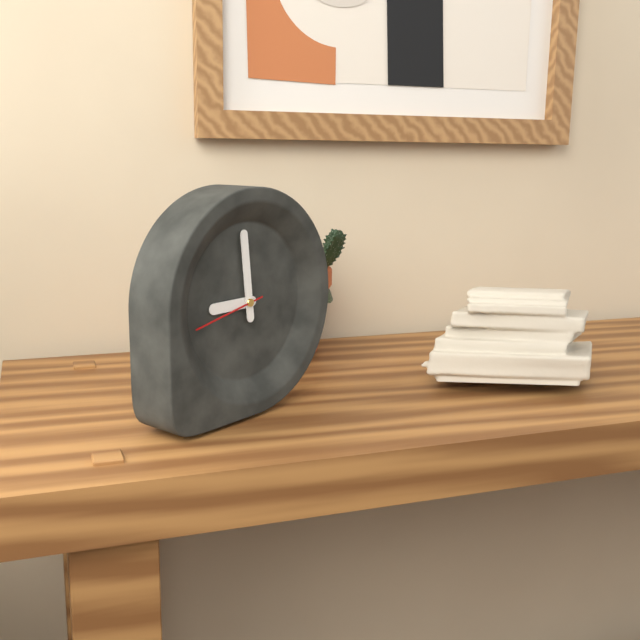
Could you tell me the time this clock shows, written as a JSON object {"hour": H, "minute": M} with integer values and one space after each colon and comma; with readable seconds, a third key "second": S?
{"hour": 8, "minute": 59, "second": 43}
